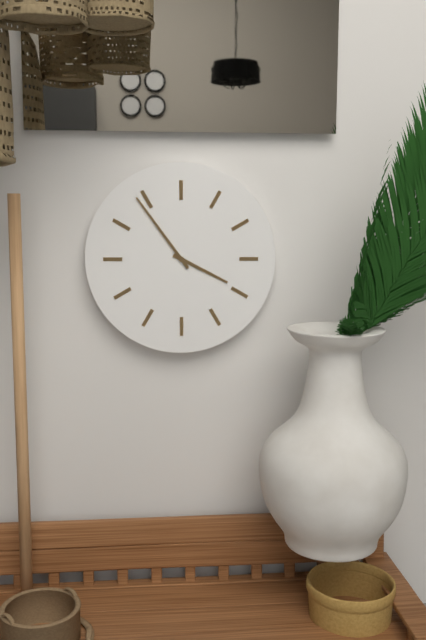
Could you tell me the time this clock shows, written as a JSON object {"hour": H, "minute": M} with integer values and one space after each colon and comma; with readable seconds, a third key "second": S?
{"hour": 3, "minute": 54}
